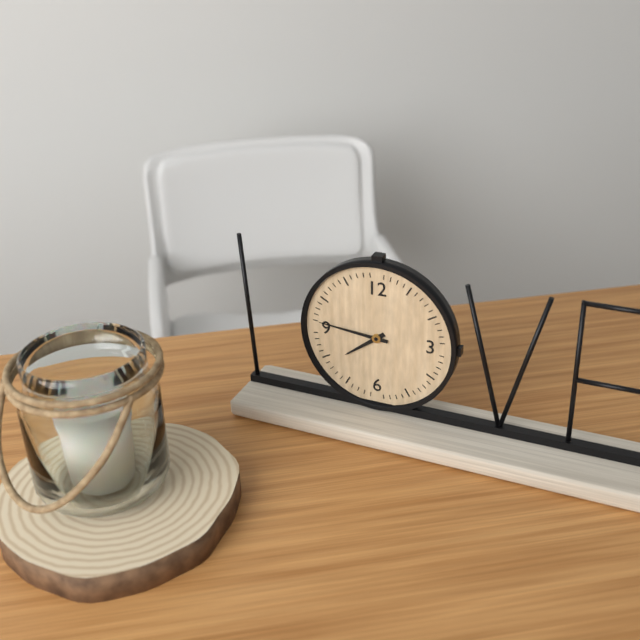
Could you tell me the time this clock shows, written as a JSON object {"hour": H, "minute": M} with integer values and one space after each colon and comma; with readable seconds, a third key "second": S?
{"hour": 7, "minute": 46}
